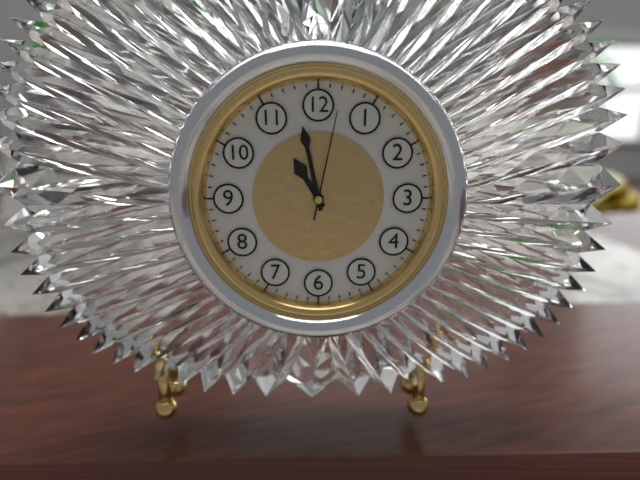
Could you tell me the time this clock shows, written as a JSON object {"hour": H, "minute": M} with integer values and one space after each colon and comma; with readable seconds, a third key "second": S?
{"hour": 10, "minute": 58, "second": 2}
